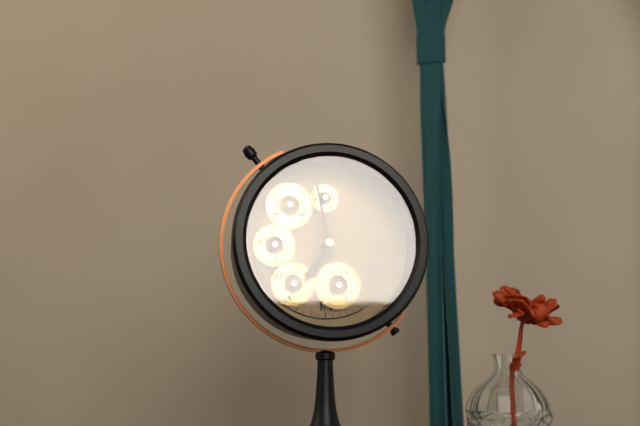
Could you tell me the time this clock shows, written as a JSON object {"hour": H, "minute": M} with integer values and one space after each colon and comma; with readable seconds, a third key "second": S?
{"hour": 6, "minute": 58}
